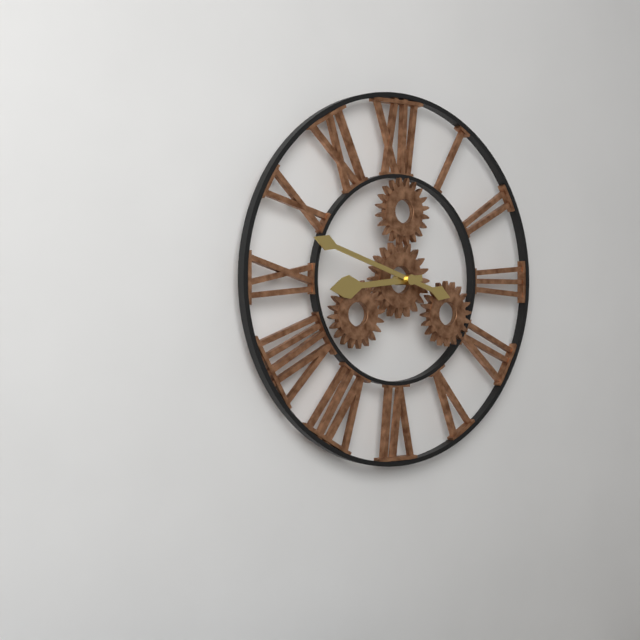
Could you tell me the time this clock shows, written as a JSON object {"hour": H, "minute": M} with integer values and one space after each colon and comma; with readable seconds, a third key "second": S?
{"hour": 8, "minute": 48}
